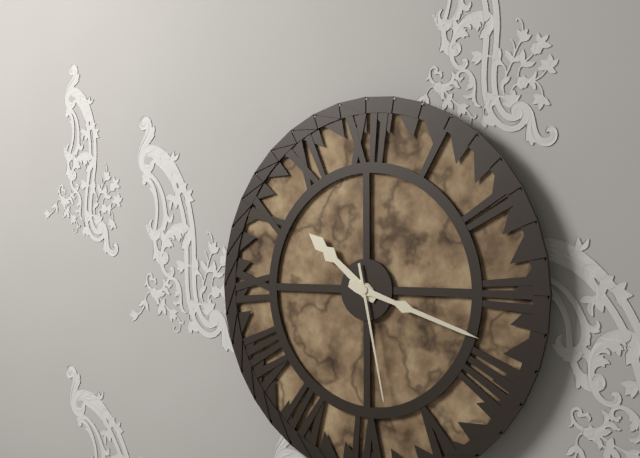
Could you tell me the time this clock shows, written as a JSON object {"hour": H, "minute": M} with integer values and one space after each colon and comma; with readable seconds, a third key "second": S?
{"hour": 10, "minute": 18, "second": 28}
